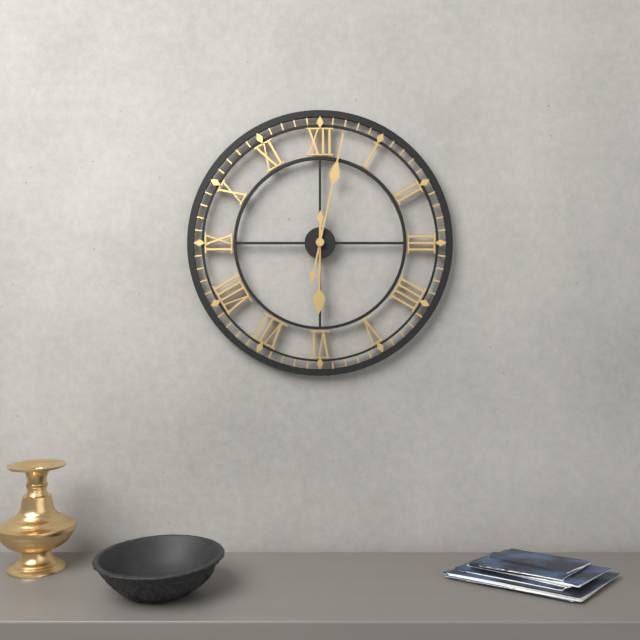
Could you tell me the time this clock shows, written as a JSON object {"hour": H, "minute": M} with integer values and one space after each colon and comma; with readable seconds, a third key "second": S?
{"hour": 6, "minute": 2}
